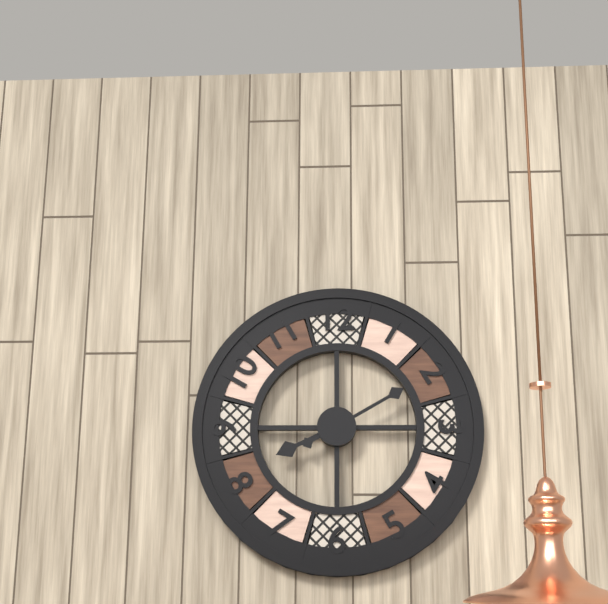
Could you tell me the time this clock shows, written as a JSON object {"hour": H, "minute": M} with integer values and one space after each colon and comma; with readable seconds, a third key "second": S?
{"hour": 8, "minute": 10}
